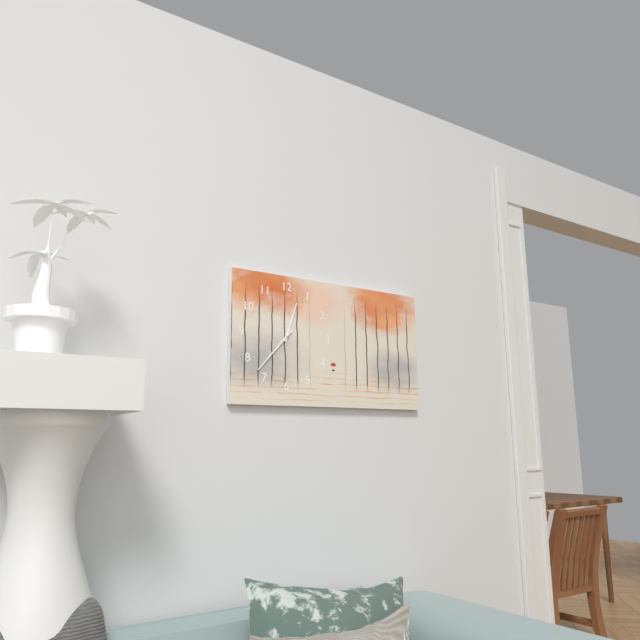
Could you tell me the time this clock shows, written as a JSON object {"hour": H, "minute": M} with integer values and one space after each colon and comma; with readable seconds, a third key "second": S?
{"hour": 12, "minute": 37}
